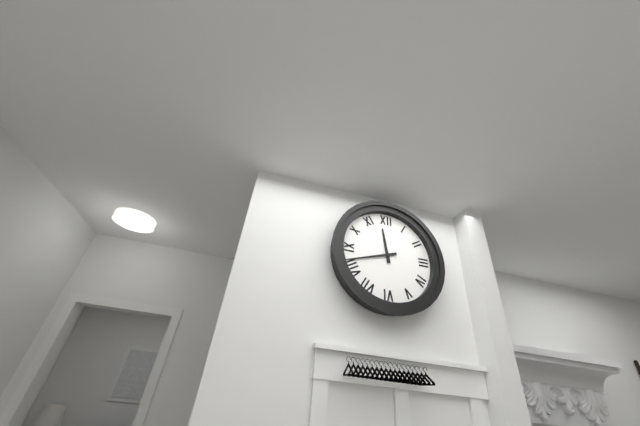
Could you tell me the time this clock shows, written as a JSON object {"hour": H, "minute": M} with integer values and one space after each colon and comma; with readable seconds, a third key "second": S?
{"hour": 11, "minute": 42}
